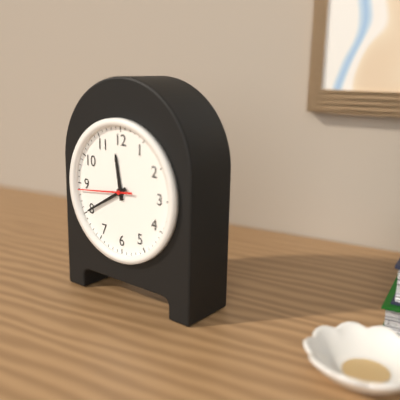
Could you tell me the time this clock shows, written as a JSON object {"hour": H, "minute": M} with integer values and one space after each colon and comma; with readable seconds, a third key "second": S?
{"hour": 11, "minute": 40, "second": 44}
